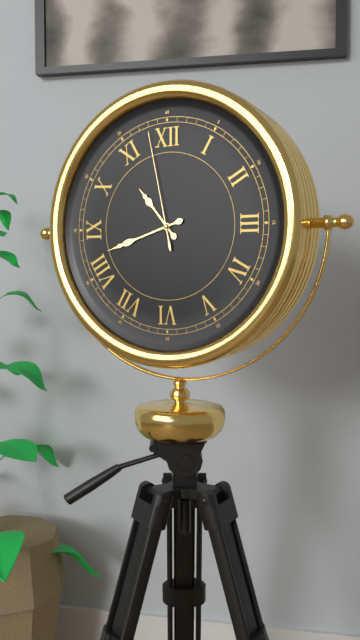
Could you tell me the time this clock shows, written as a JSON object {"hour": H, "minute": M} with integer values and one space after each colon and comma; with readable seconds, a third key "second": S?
{"hour": 10, "minute": 42, "second": 58}
